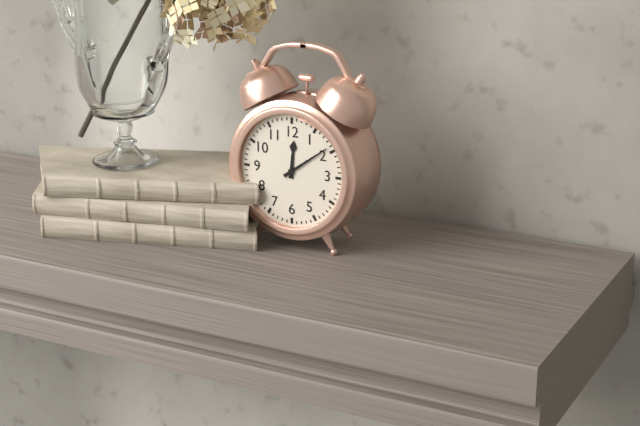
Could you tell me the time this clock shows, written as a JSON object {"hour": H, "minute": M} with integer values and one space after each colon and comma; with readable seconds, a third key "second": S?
{"hour": 12, "minute": 9}
